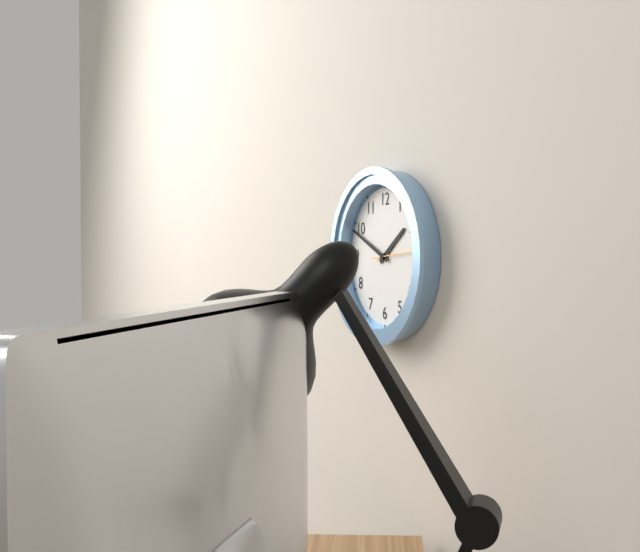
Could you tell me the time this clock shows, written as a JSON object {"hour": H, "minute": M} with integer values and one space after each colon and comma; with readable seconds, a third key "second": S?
{"hour": 1, "minute": 49, "second": 14}
